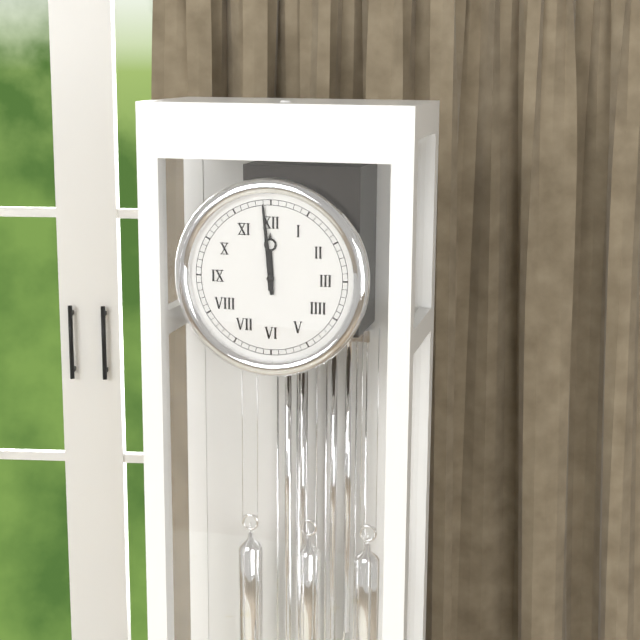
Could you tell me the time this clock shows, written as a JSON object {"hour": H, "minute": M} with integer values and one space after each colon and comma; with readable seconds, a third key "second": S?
{"hour": 11, "minute": 59}
